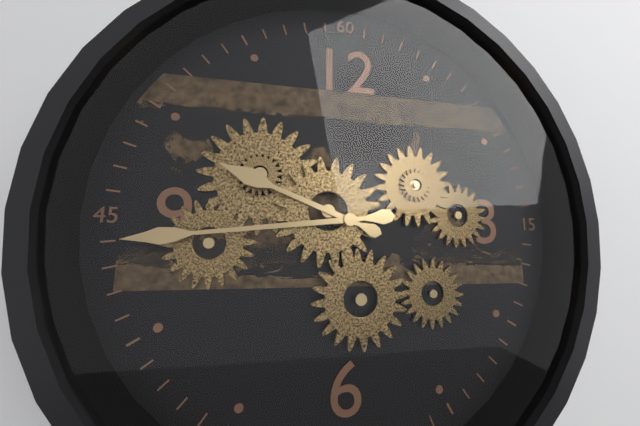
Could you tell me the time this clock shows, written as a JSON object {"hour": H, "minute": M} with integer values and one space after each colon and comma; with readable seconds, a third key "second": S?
{"hour": 9, "minute": 44}
